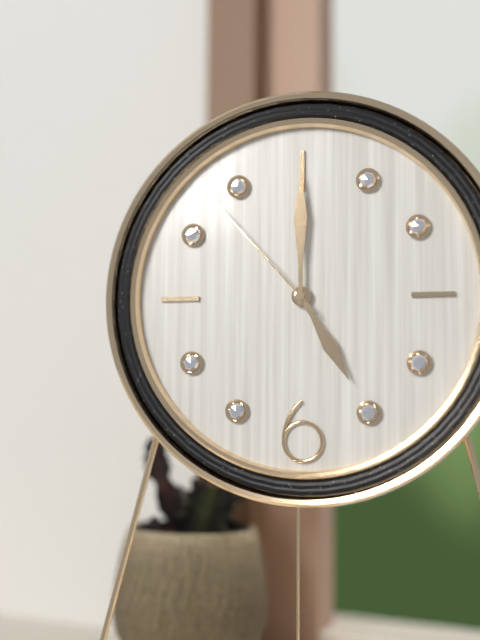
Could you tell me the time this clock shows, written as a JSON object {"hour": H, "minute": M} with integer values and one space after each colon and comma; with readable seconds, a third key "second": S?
{"hour": 5, "minute": 0, "second": 53}
